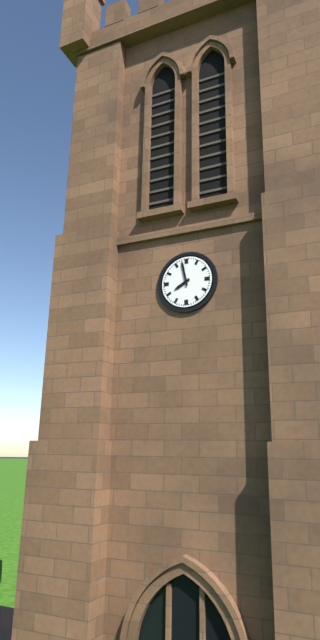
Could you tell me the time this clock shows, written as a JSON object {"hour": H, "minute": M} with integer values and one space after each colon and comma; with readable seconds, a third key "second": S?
{"hour": 7, "minute": 58}
